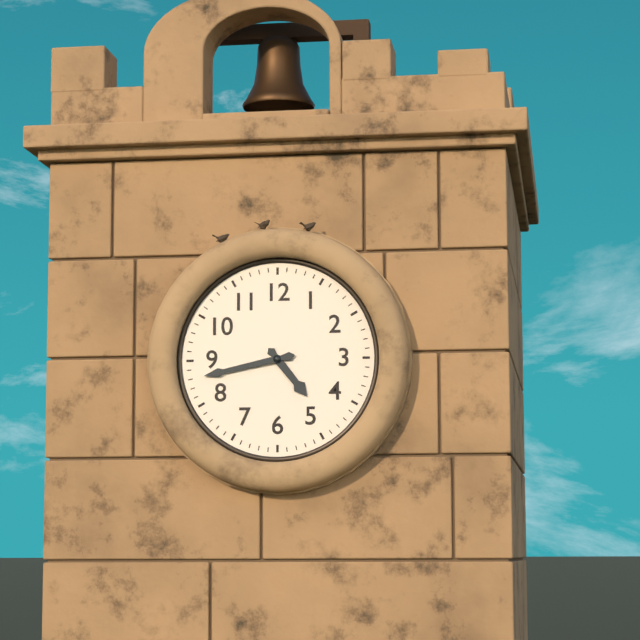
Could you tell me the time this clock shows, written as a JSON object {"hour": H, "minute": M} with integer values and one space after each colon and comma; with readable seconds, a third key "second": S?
{"hour": 4, "minute": 43}
